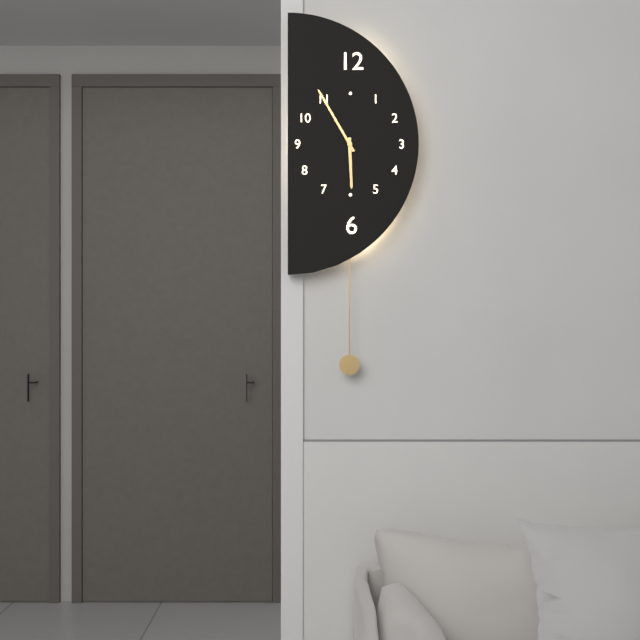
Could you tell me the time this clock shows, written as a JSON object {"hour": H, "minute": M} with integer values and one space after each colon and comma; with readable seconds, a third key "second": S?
{"hour": 5, "minute": 55}
